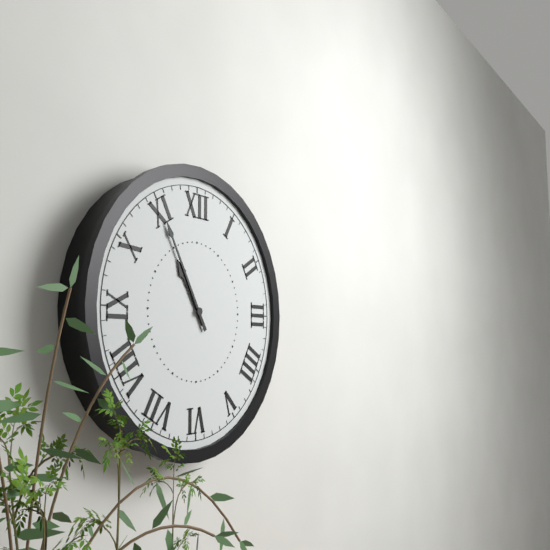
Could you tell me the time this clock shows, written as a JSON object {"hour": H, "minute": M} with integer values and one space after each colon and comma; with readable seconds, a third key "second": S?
{"hour": 10, "minute": 55}
